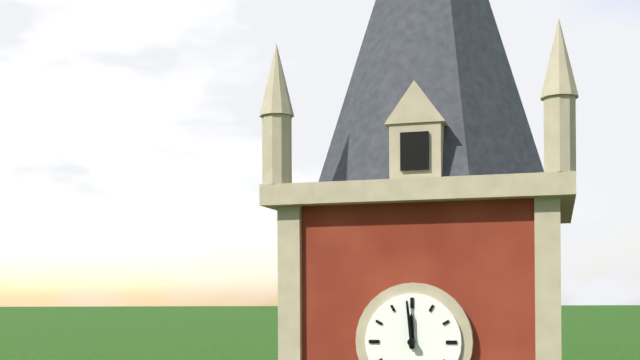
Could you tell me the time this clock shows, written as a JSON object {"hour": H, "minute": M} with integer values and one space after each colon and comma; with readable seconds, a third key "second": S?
{"hour": 11, "minute": 59}
